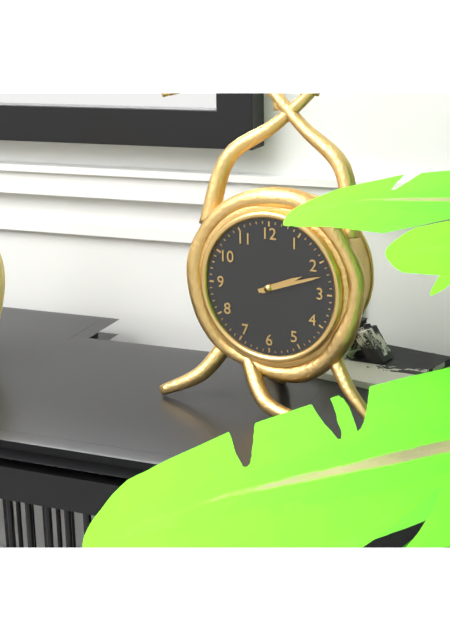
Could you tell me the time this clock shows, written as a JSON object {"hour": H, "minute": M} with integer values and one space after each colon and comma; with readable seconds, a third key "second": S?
{"hour": 2, "minute": 12}
